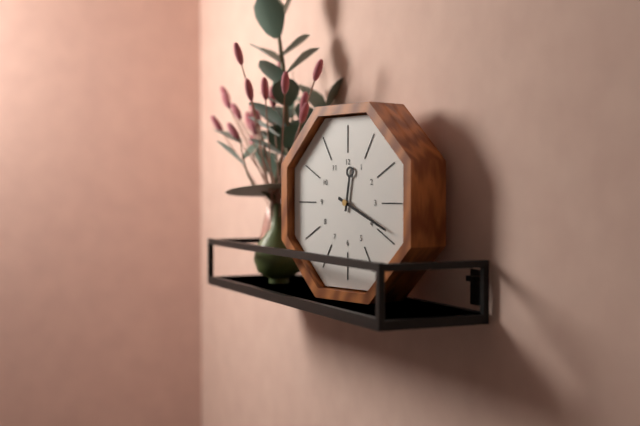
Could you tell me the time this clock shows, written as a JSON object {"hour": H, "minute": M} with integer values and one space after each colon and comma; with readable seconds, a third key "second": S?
{"hour": 12, "minute": 19}
